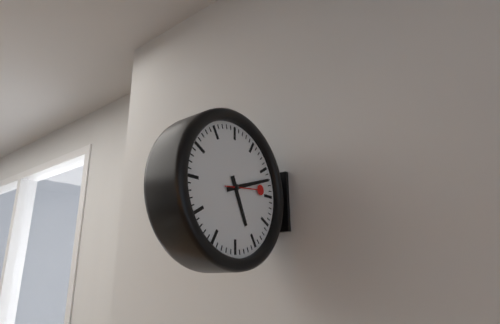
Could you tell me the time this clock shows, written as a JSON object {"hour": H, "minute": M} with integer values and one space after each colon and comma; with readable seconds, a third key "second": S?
{"hour": 5, "minute": 12, "second": 14}
